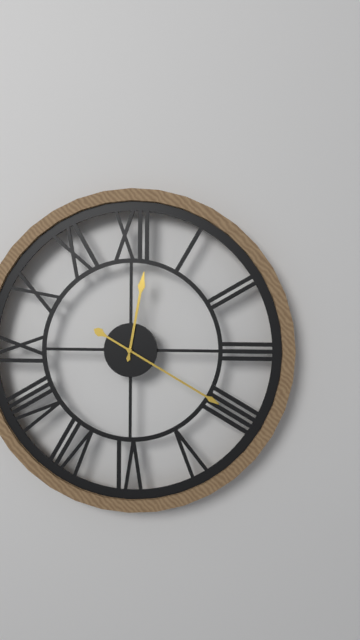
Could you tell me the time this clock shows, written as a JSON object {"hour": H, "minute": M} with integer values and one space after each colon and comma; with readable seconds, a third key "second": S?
{"hour": 12, "minute": 20}
